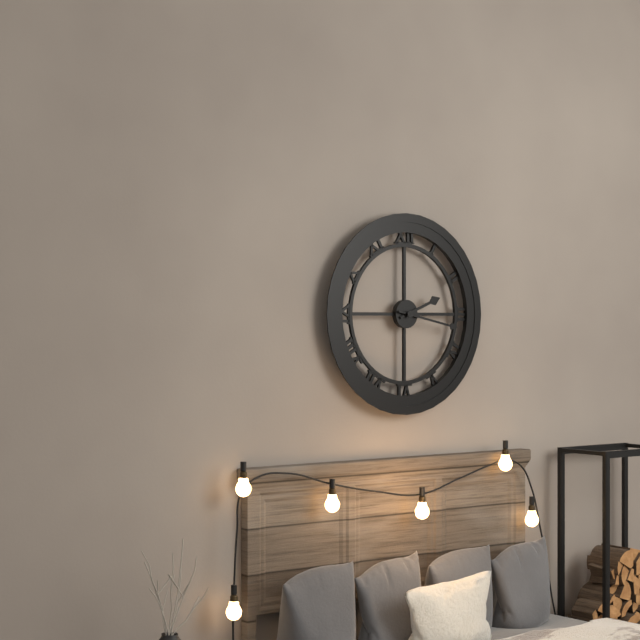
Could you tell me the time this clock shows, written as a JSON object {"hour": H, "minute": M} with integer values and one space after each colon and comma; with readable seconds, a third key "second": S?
{"hour": 2, "minute": 17}
